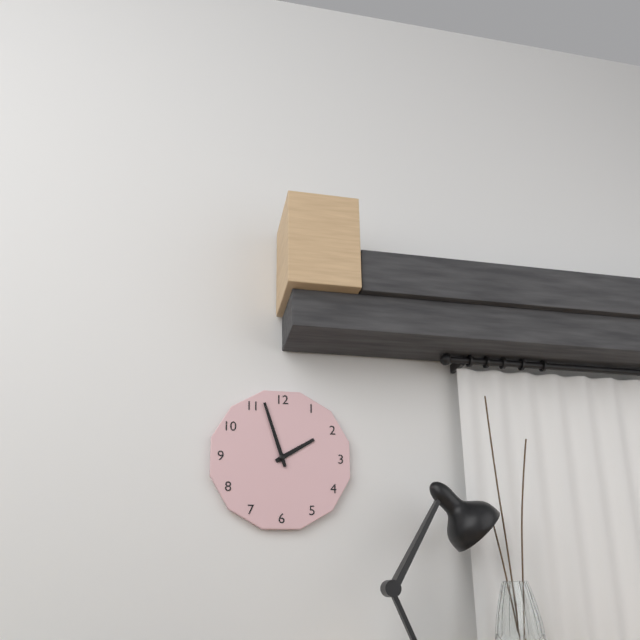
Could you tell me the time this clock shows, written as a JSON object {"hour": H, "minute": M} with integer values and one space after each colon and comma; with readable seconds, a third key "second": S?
{"hour": 1, "minute": 57}
